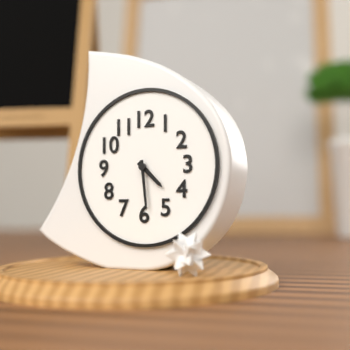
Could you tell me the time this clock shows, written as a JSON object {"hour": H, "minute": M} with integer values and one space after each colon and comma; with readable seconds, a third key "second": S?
{"hour": 4, "minute": 29}
